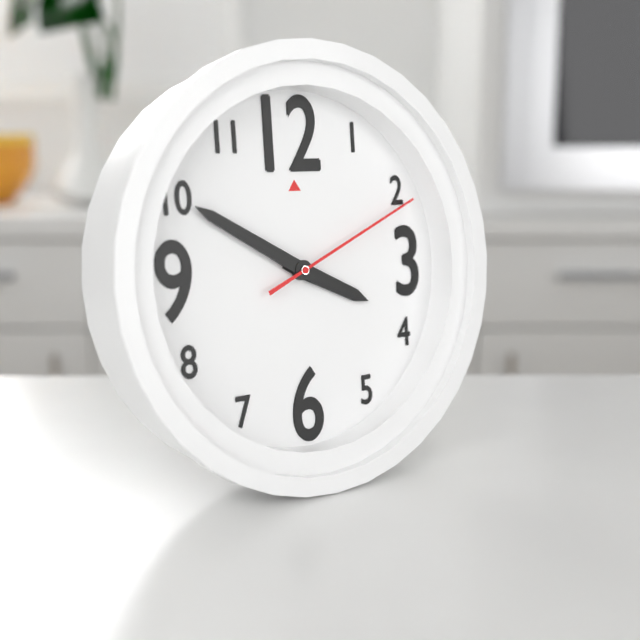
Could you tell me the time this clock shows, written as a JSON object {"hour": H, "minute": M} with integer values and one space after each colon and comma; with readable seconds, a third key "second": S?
{"hour": 3, "minute": 50, "second": 11}
